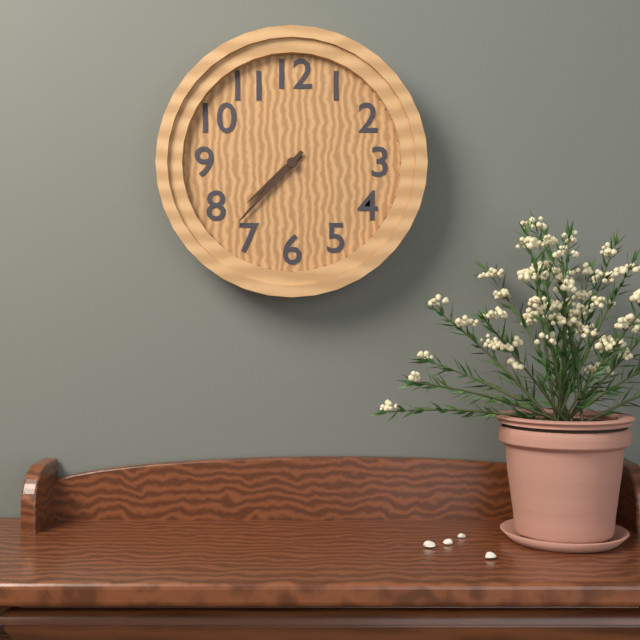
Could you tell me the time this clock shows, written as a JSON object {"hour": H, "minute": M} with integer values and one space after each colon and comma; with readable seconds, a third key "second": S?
{"hour": 7, "minute": 37}
